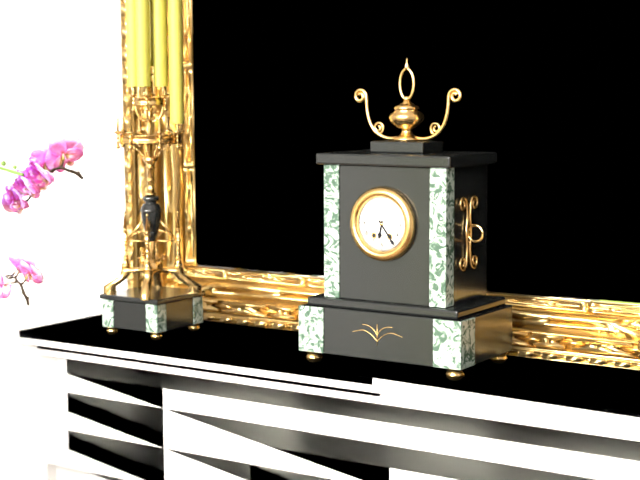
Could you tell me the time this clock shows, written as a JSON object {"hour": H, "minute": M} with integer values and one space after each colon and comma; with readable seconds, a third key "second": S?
{"hour": 6, "minute": 24}
